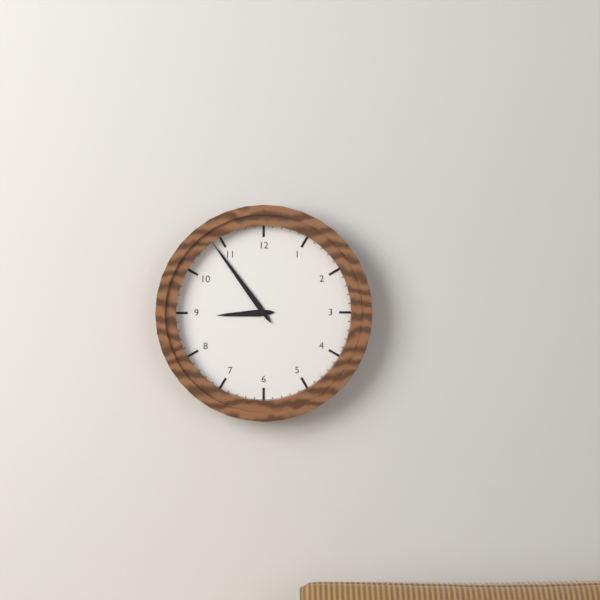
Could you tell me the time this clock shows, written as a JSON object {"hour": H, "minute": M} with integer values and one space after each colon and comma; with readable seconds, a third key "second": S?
{"hour": 8, "minute": 54}
